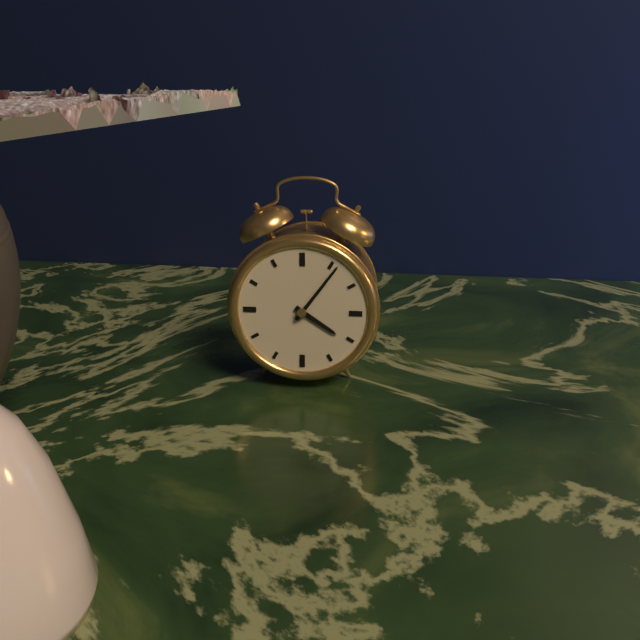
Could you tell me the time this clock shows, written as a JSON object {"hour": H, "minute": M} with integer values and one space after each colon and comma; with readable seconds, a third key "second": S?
{"hour": 4, "minute": 6}
